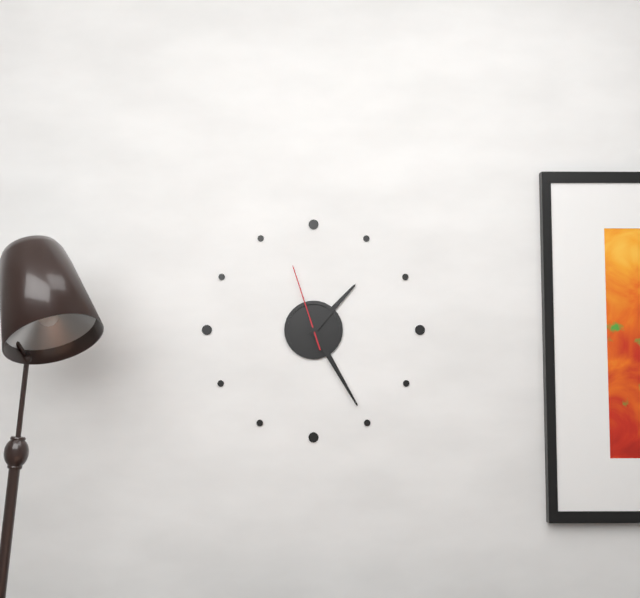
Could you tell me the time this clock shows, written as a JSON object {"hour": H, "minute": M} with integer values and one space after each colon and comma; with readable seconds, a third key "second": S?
{"hour": 1, "minute": 25, "second": 57}
